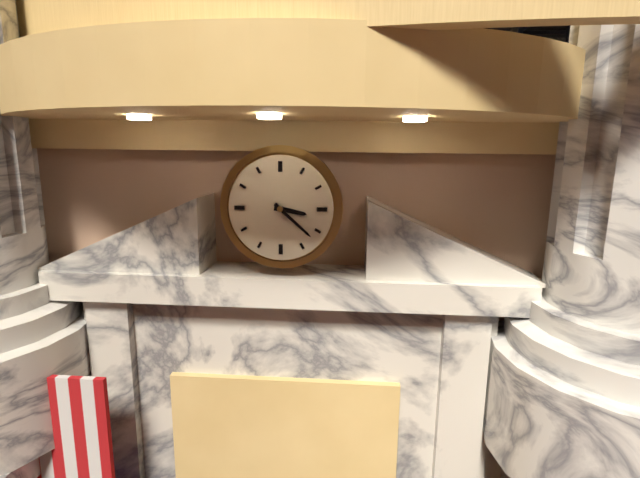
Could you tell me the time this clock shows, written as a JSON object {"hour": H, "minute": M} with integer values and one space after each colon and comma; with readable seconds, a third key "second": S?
{"hour": 3, "minute": 22}
